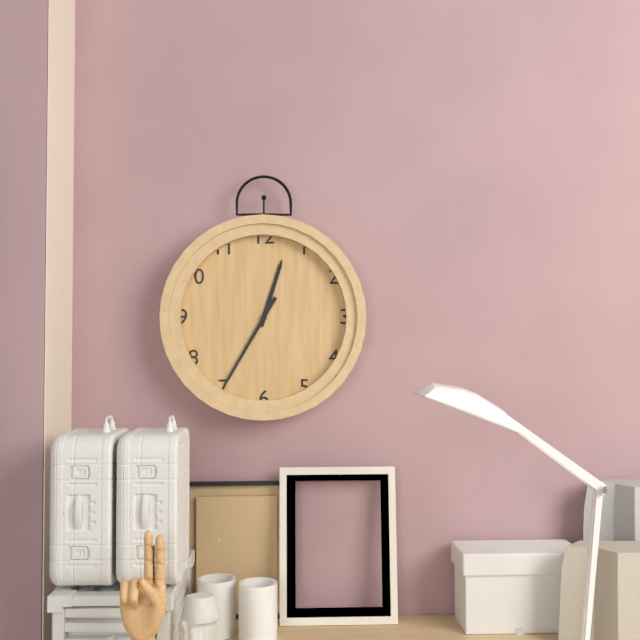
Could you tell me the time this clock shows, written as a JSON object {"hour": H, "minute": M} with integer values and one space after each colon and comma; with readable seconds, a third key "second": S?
{"hour": 12, "minute": 35}
